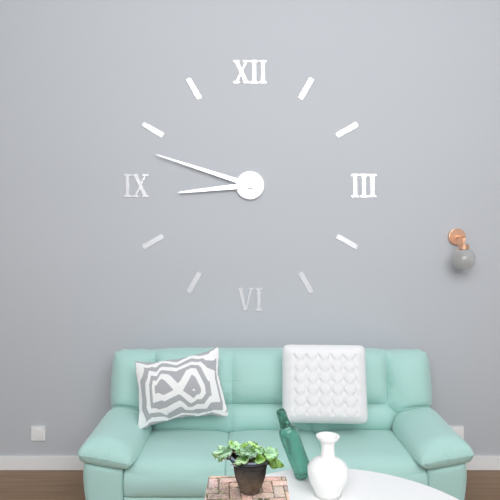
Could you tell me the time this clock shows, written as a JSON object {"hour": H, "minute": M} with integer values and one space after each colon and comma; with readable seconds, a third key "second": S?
{"hour": 8, "minute": 48}
